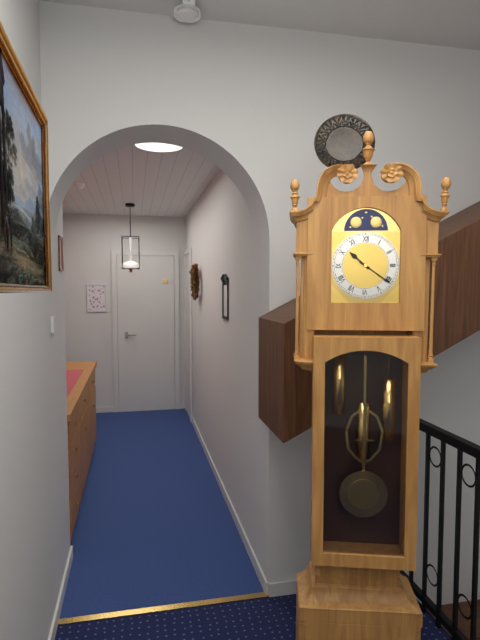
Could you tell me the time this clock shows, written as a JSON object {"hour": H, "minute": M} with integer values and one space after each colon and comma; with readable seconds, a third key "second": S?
{"hour": 10, "minute": 21}
